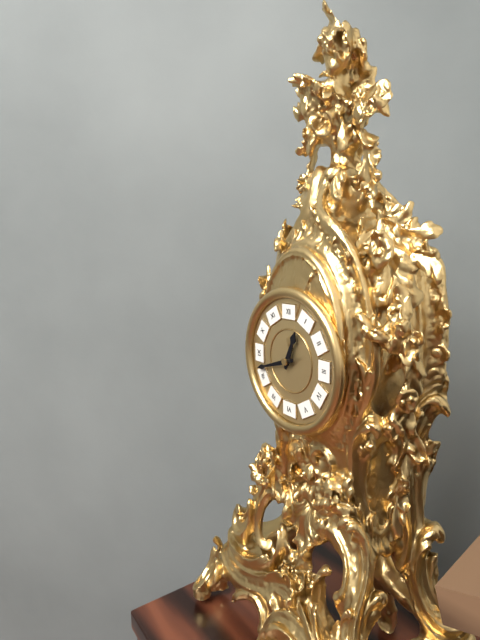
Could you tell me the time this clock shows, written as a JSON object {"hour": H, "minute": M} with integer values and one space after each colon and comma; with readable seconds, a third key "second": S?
{"hour": 12, "minute": 42}
